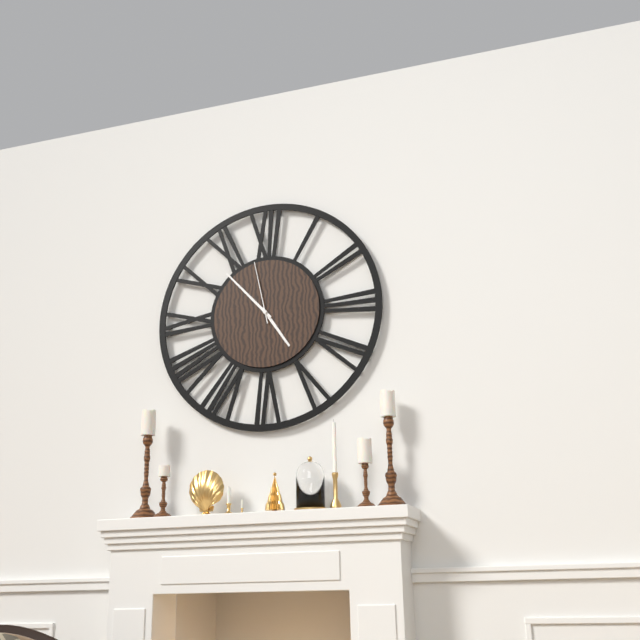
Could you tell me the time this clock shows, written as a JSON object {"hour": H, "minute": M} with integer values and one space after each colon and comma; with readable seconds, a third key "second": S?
{"hour": 4, "minute": 53, "second": 58}
